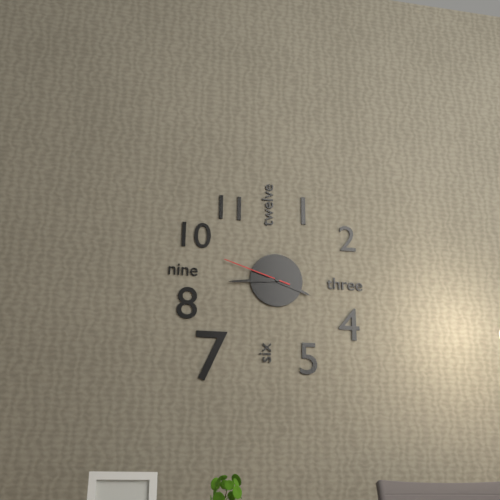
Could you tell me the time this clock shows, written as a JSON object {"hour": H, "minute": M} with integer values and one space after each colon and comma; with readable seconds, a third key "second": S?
{"hour": 3, "minute": 44, "second": 48}
